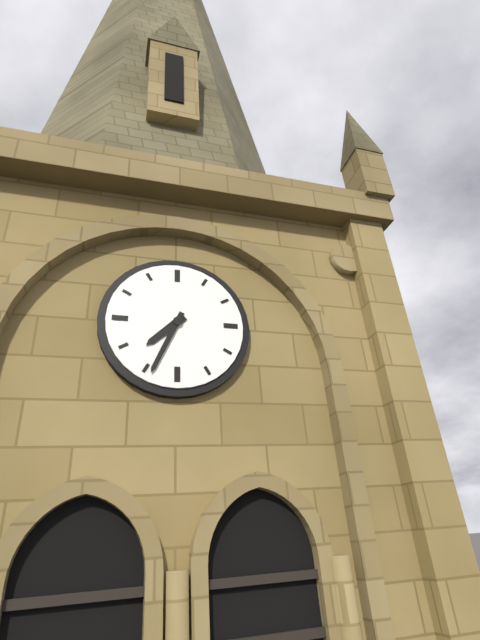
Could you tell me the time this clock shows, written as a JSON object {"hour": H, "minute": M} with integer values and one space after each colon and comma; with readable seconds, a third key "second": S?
{"hour": 7, "minute": 34}
